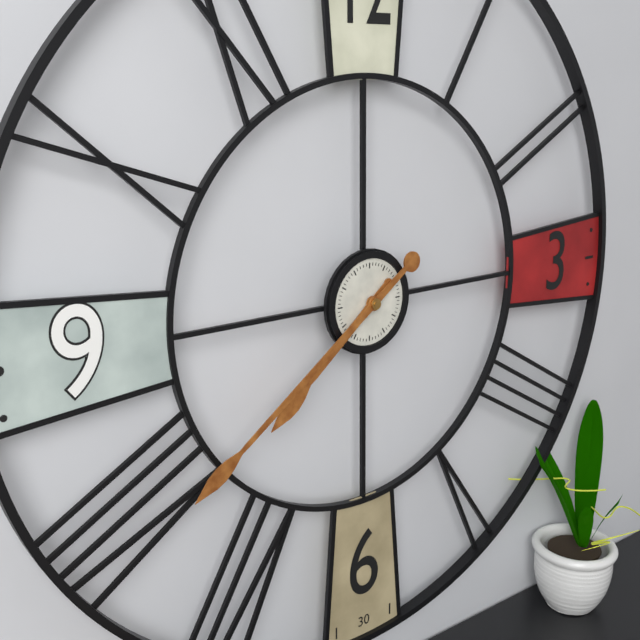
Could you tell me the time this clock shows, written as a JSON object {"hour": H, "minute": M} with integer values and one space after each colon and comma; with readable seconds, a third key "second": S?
{"hour": 7, "minute": 39}
